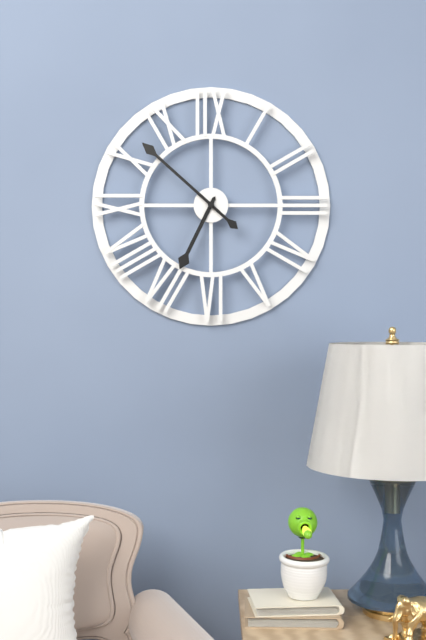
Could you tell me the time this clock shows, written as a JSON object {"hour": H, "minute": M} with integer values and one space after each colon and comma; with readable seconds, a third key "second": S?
{"hour": 6, "minute": 52}
